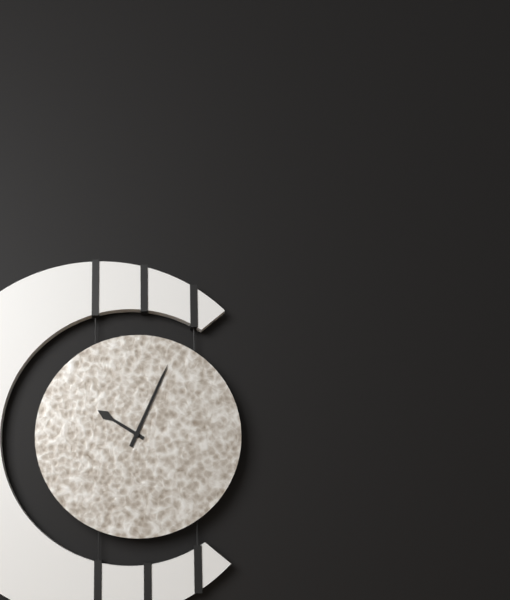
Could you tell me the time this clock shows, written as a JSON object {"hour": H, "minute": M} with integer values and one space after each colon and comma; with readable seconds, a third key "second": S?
{"hour": 10, "minute": 4}
